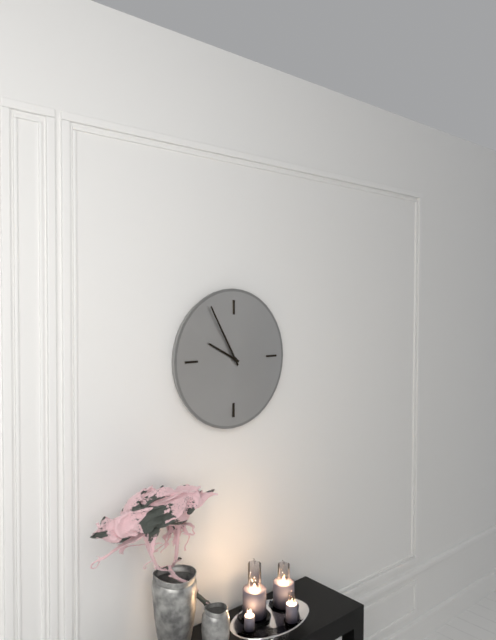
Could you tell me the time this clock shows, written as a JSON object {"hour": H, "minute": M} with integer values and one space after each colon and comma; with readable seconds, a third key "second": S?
{"hour": 9, "minute": 55}
